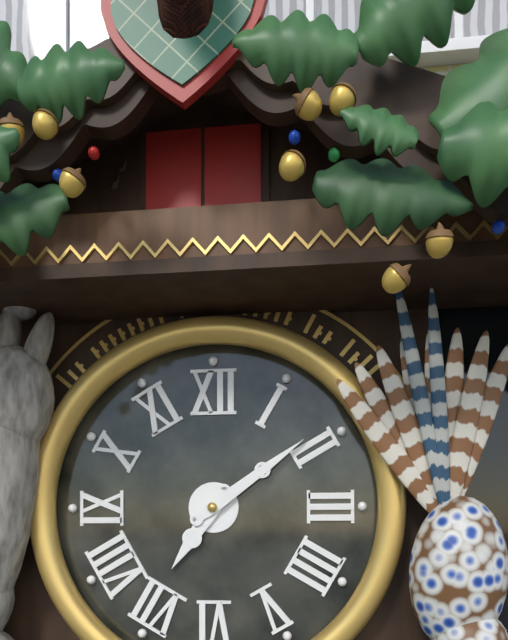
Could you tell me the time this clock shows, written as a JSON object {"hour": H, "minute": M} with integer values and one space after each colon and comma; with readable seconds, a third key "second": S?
{"hour": 7, "minute": 9}
